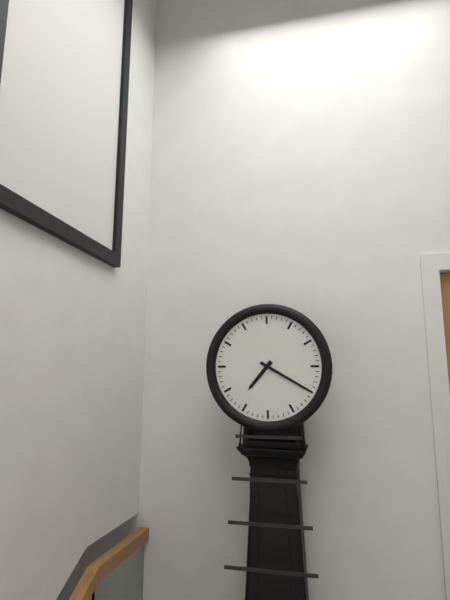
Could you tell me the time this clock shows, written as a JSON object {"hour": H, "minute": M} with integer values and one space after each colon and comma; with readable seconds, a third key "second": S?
{"hour": 7, "minute": 20}
